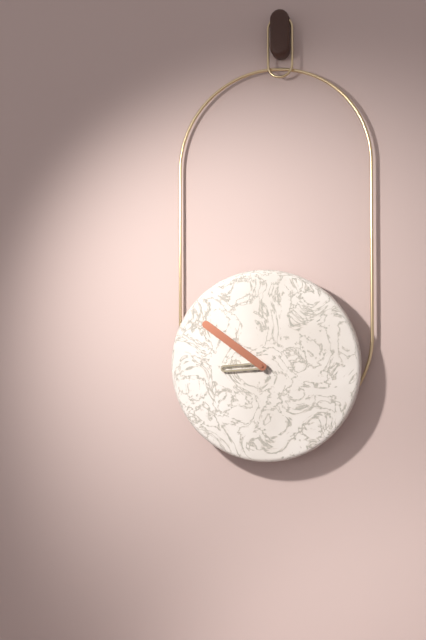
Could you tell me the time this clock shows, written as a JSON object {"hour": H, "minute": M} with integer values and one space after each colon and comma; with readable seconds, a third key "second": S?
{"hour": 8, "minute": 51}
